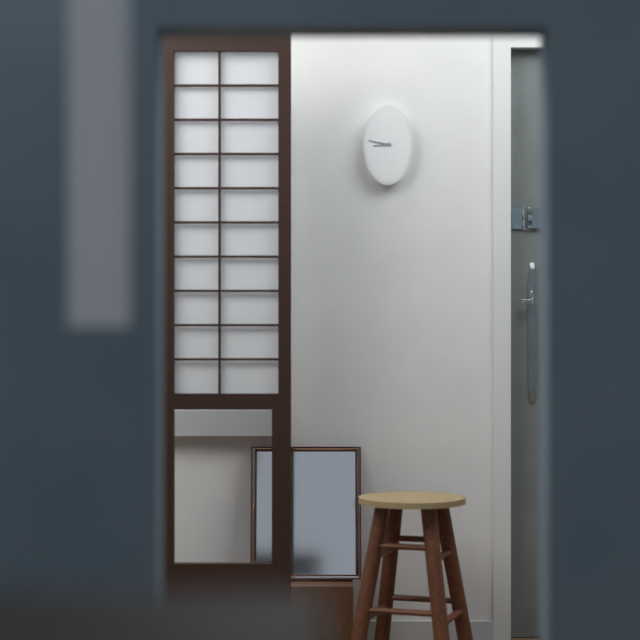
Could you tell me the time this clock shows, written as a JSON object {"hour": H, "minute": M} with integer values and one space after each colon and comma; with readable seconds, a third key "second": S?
{"hour": 8, "minute": 47}
